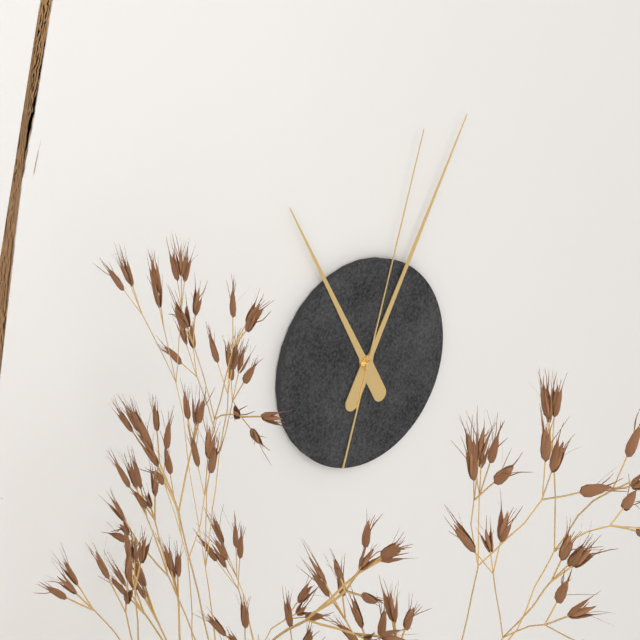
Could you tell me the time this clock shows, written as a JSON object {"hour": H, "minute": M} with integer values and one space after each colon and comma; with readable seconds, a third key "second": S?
{"hour": 11, "minute": 5, "second": 3}
